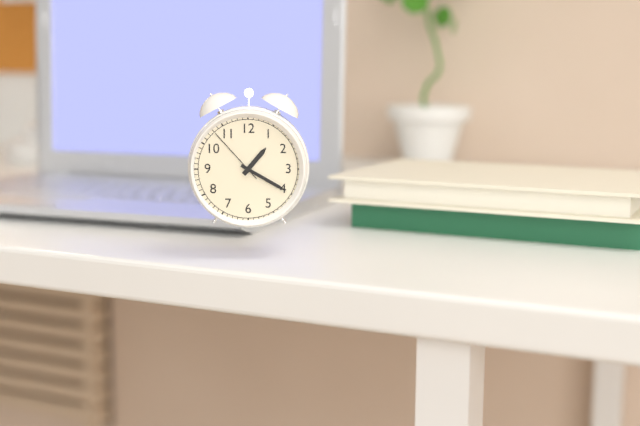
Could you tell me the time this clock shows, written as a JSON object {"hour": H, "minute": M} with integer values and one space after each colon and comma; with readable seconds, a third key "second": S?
{"hour": 1, "minute": 20, "second": 53}
